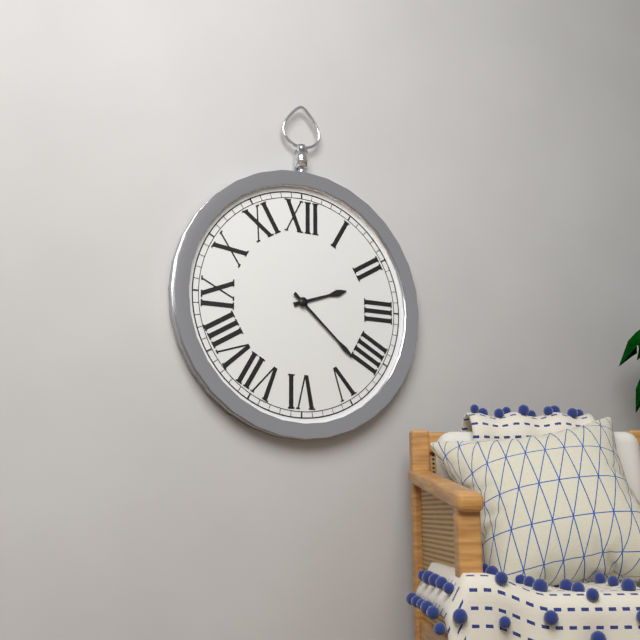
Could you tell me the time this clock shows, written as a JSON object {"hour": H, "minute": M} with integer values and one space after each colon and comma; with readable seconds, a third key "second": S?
{"hour": 2, "minute": 22}
